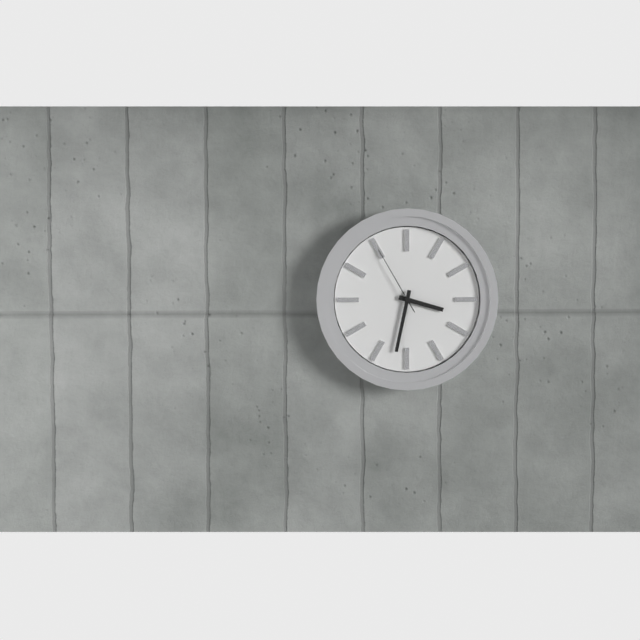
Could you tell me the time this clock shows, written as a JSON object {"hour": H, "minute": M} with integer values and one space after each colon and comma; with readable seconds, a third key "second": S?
{"hour": 3, "minute": 32, "second": 55}
